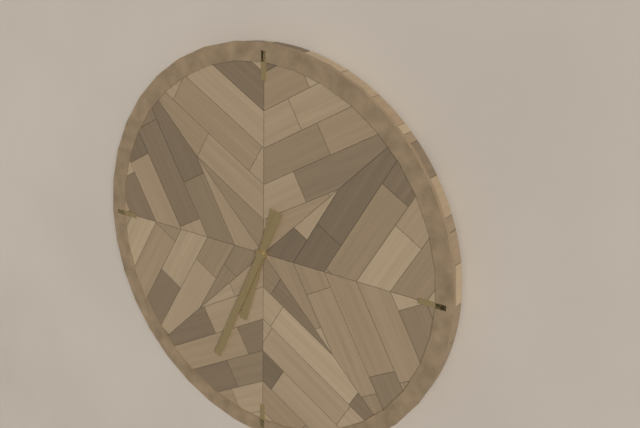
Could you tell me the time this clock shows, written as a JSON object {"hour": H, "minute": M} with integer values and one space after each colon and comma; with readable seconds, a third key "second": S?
{"hour": 6, "minute": 34}
